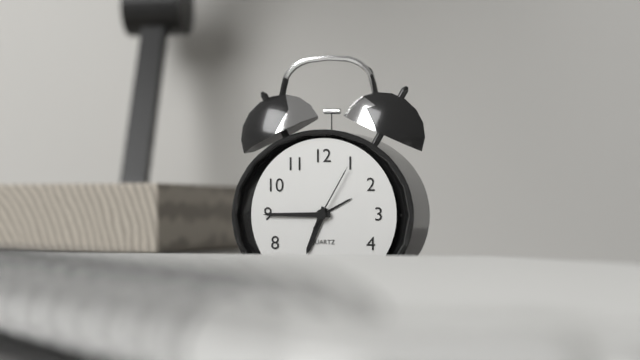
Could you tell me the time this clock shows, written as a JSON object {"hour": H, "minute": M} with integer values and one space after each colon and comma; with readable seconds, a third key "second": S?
{"hour": 6, "minute": 45, "second": 5}
